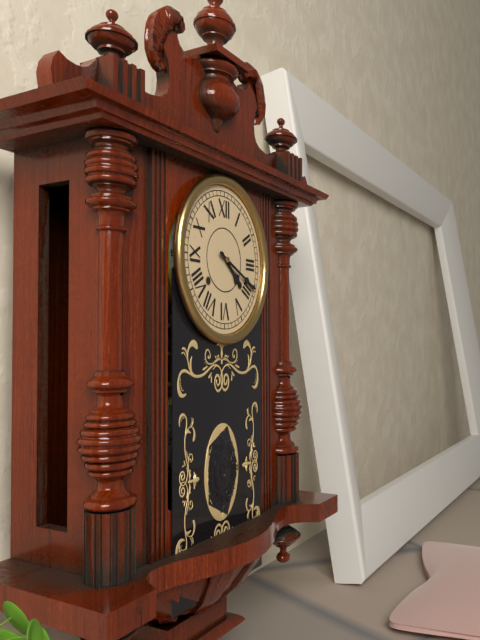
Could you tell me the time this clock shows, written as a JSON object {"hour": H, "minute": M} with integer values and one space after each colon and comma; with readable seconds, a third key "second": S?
{"hour": 4, "minute": 19}
